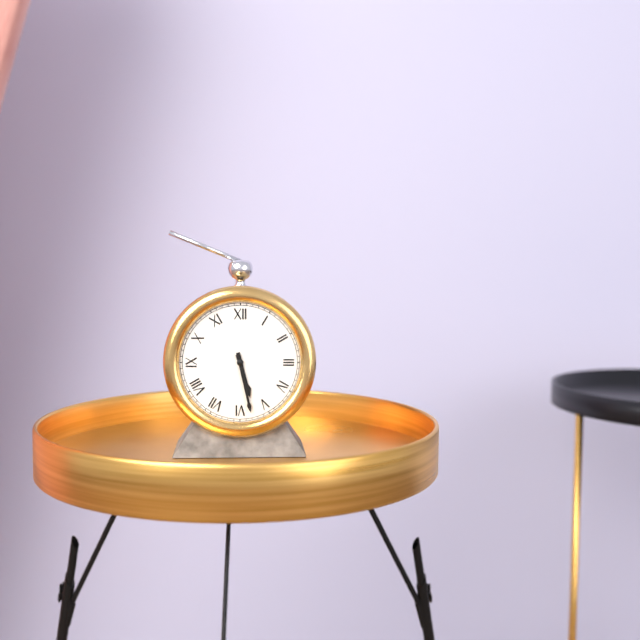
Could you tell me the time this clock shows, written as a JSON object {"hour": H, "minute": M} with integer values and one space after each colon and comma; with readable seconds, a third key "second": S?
{"hour": 5, "minute": 28}
